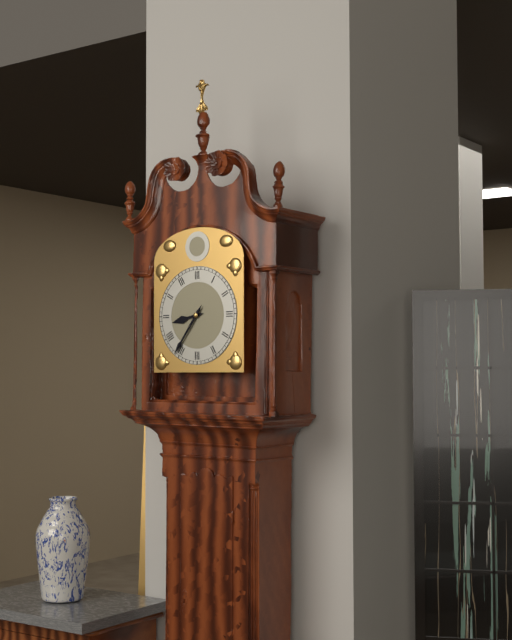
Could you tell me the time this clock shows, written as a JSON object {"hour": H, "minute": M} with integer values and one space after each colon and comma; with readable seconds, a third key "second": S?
{"hour": 8, "minute": 36}
